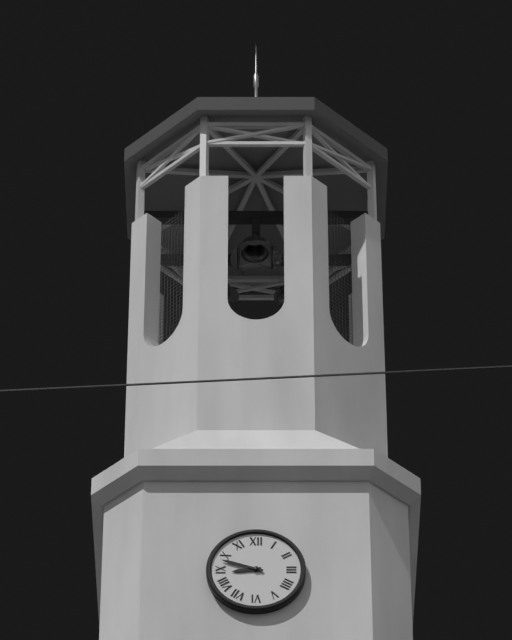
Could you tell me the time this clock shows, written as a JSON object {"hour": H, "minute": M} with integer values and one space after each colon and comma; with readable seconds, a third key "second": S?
{"hour": 8, "minute": 48}
